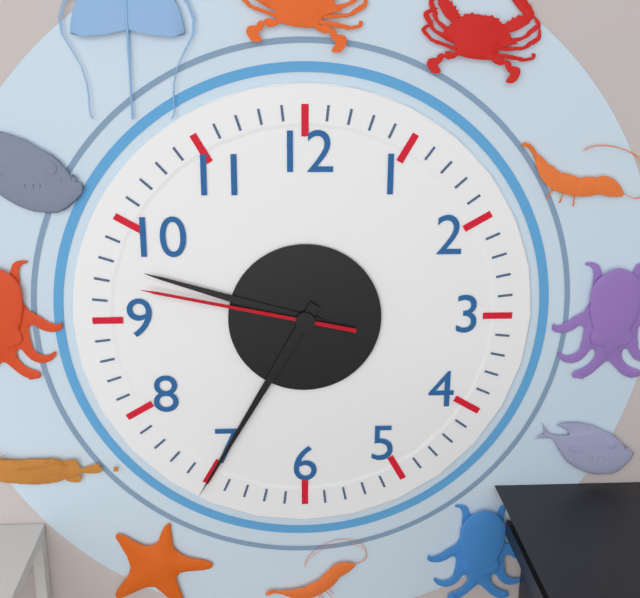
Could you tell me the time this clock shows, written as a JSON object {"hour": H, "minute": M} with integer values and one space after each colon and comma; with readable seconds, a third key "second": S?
{"hour": 9, "minute": 35, "second": 47}
